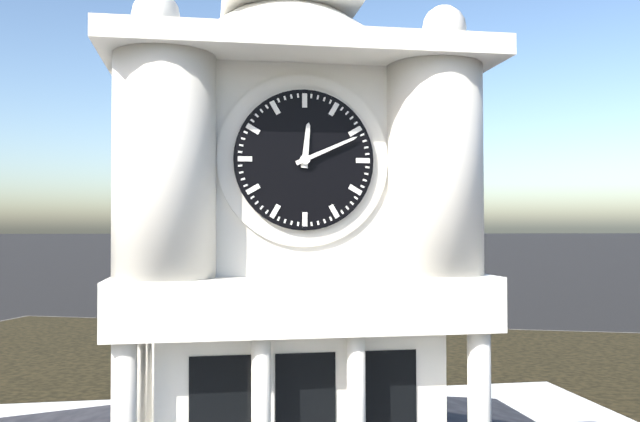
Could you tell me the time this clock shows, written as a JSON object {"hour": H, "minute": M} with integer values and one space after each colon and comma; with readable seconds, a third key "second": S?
{"hour": 12, "minute": 11}
